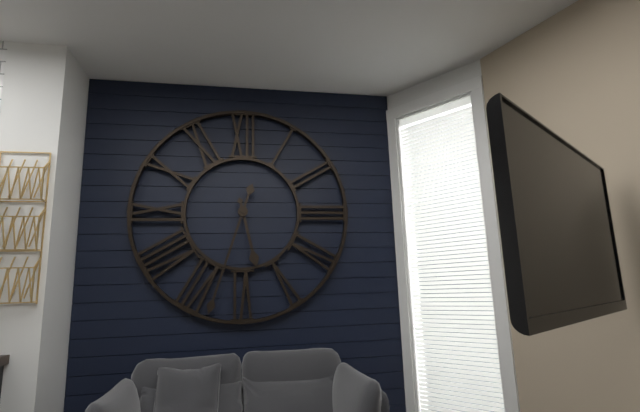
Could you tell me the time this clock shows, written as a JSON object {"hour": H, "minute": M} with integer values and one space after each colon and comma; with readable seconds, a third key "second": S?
{"hour": 5, "minute": 33}
